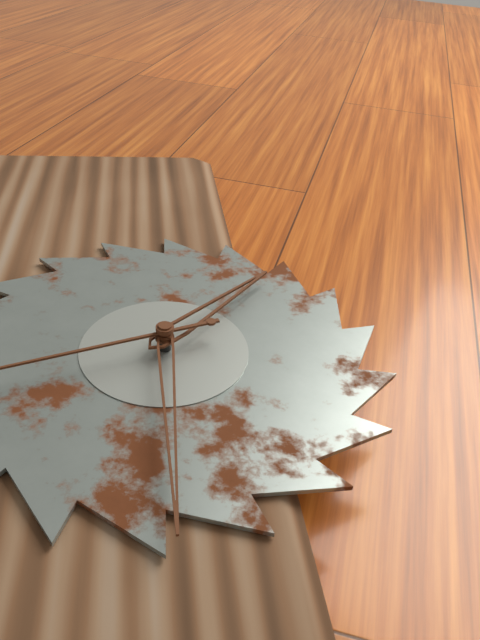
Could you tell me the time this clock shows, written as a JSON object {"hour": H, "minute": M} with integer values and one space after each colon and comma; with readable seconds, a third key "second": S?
{"hour": 1, "minute": 30}
